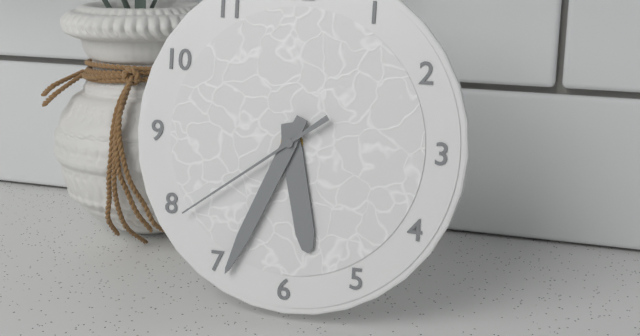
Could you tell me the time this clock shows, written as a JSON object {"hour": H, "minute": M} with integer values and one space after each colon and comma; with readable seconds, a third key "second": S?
{"hour": 5, "minute": 34, "second": 39}
